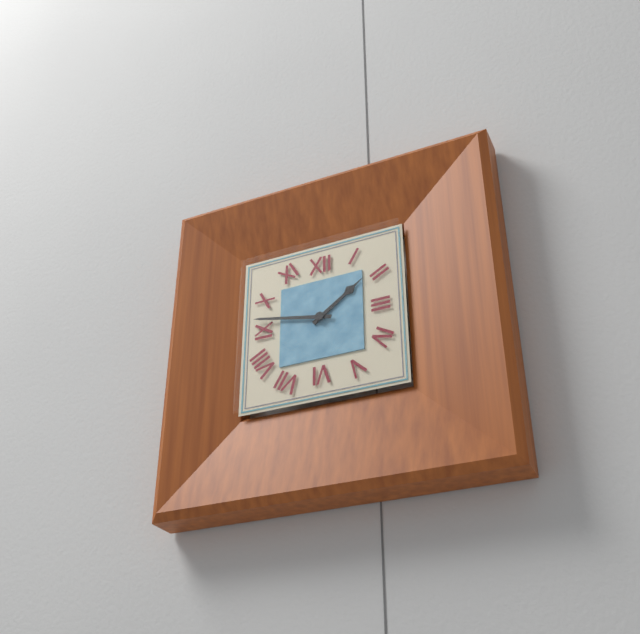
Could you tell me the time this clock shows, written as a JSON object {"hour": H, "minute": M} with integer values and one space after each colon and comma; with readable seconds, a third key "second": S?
{"hour": 1, "minute": 47}
